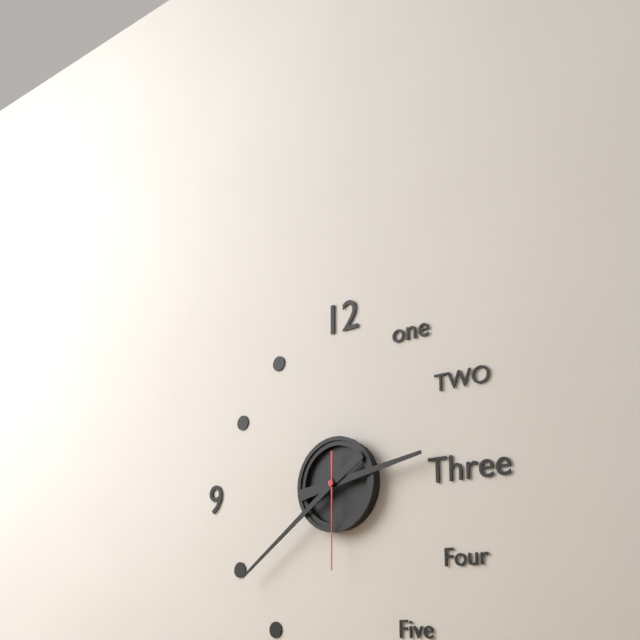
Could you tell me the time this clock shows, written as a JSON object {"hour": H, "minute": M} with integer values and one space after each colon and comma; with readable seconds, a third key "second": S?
{"hour": 2, "minute": 39, "second": 30}
